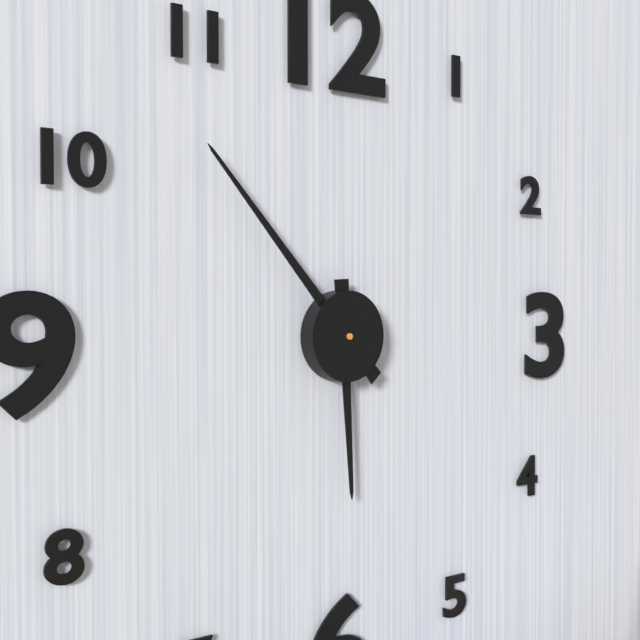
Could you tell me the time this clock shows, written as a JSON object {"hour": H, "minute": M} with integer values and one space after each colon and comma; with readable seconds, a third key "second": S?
{"hour": 5, "minute": 53}
